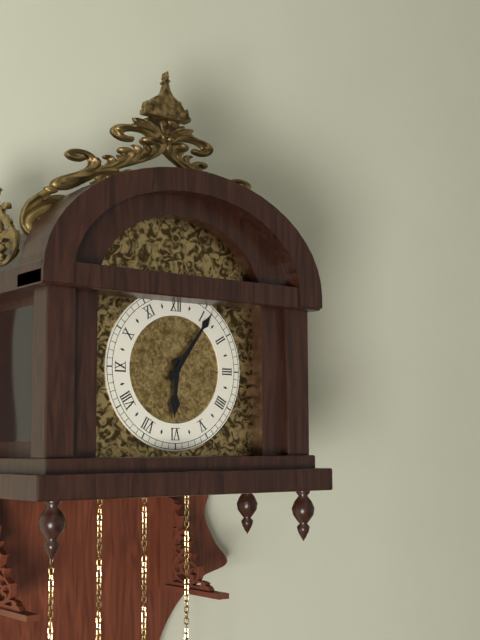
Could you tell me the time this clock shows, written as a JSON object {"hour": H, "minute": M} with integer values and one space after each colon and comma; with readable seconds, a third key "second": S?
{"hour": 6, "minute": 6}
